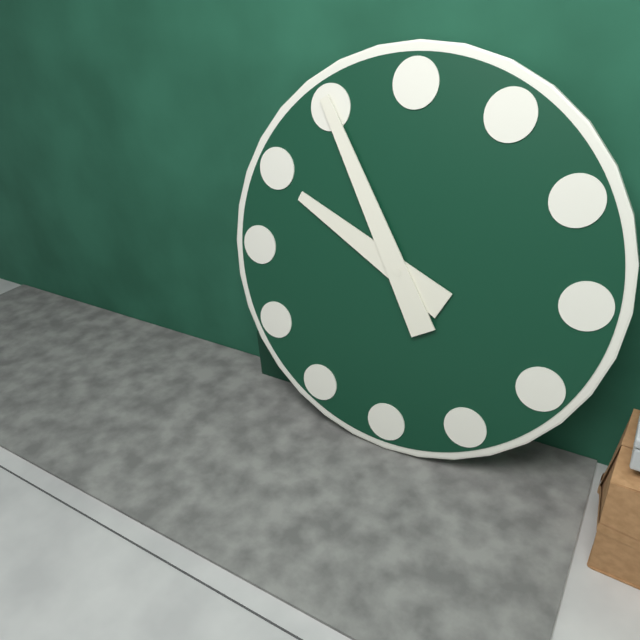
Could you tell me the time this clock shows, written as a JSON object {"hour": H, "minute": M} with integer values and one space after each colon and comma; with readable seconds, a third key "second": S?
{"hour": 9, "minute": 55}
